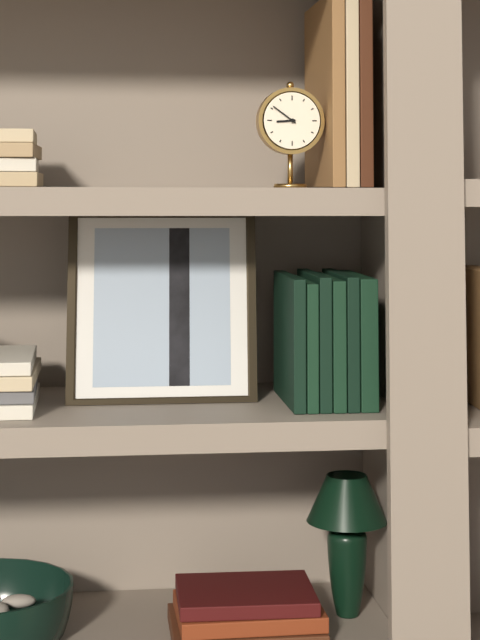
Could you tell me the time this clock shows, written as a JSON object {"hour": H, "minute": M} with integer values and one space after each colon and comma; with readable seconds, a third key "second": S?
{"hour": 8, "minute": 51}
